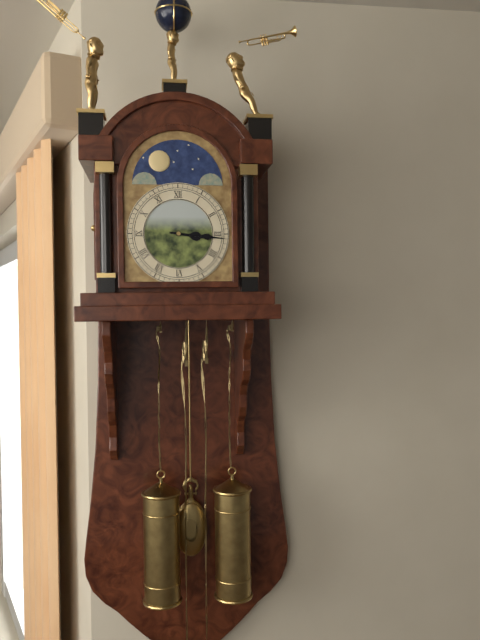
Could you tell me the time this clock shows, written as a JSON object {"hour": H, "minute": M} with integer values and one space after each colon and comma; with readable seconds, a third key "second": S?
{"hour": 3, "minute": 16}
